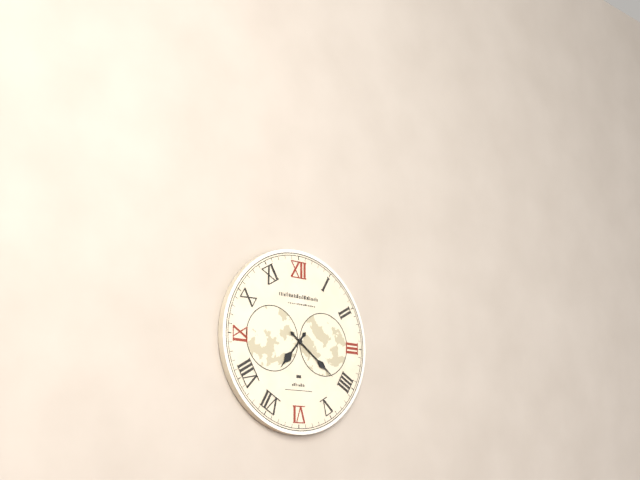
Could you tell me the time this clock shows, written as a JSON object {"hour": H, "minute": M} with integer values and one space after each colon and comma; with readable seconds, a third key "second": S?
{"hour": 7, "minute": 21}
